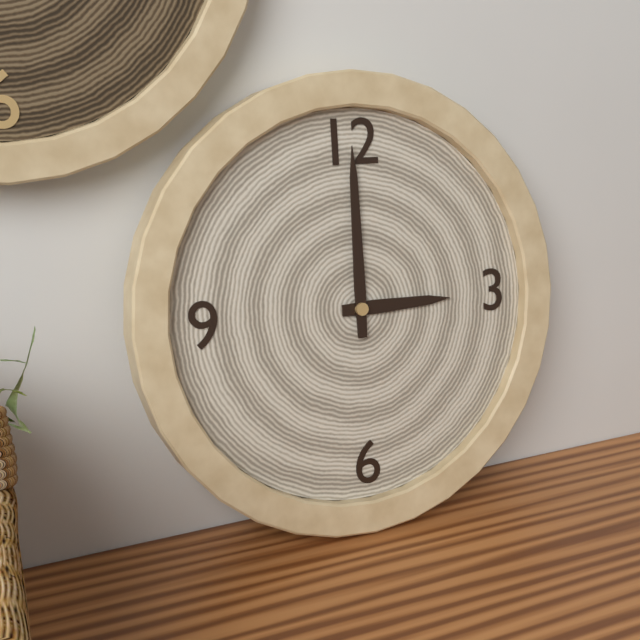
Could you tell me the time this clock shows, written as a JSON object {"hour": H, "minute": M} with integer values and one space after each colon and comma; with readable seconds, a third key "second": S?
{"hour": 3, "minute": 0}
